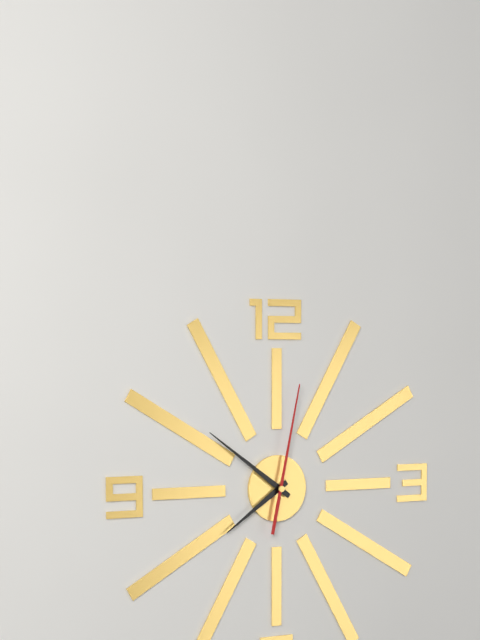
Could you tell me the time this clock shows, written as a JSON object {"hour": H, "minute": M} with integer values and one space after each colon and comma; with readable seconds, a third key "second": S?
{"hour": 7, "minute": 51, "second": 2}
